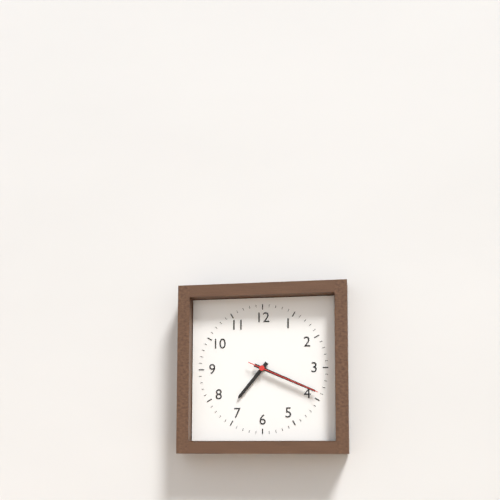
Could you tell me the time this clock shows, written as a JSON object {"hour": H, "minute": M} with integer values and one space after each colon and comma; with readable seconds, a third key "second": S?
{"hour": 7, "minute": 19, "second": 19}
